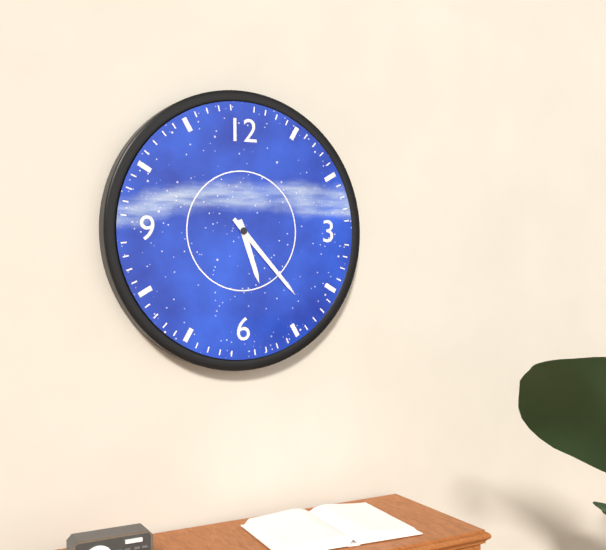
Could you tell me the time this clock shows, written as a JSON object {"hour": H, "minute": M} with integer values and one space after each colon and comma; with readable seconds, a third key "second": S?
{"hour": 5, "minute": 23}
